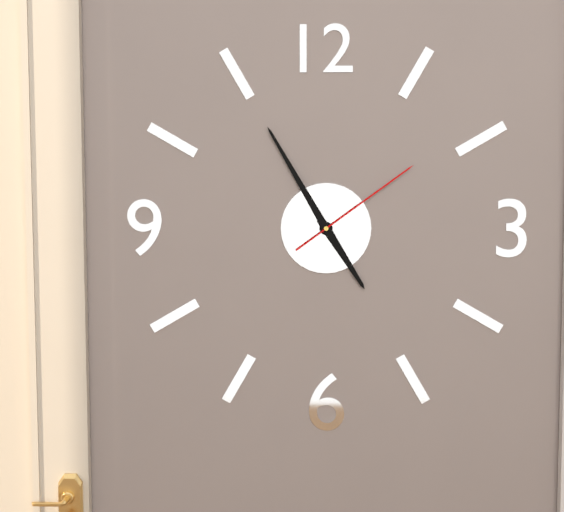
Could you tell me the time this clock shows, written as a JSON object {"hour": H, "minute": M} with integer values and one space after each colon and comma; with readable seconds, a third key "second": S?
{"hour": 4, "minute": 55, "second": 9}
